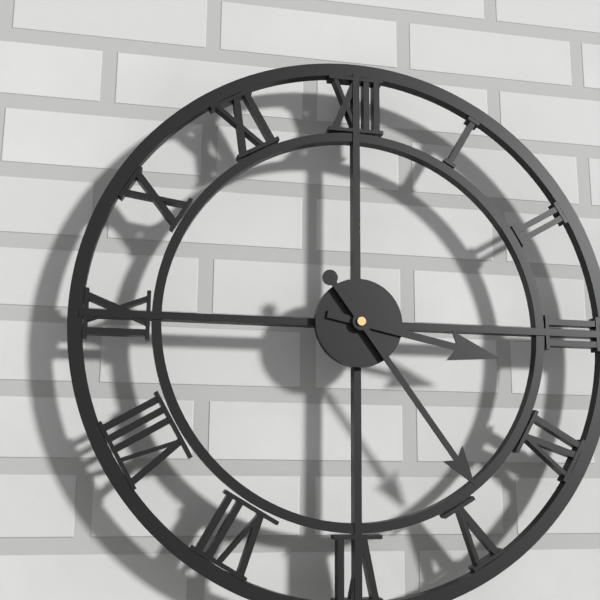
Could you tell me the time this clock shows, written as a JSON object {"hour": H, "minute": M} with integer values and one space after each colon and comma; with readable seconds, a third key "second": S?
{"hour": 3, "minute": 24}
